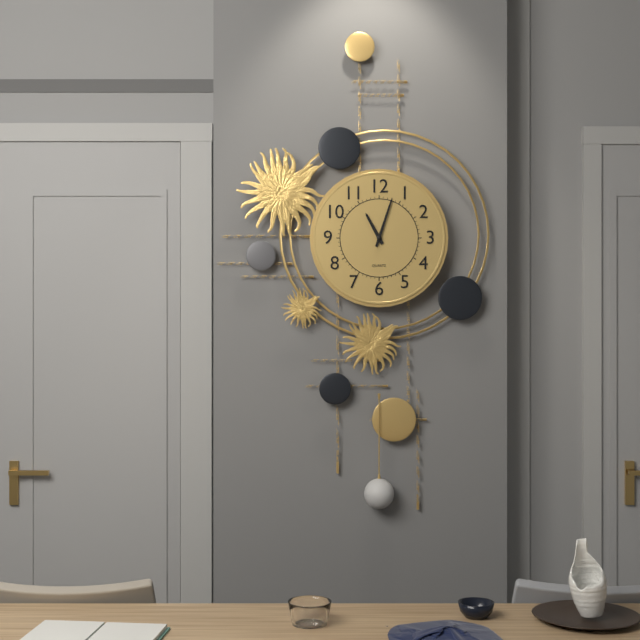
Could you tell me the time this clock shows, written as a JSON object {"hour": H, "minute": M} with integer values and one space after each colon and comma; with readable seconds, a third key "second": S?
{"hour": 11, "minute": 3}
